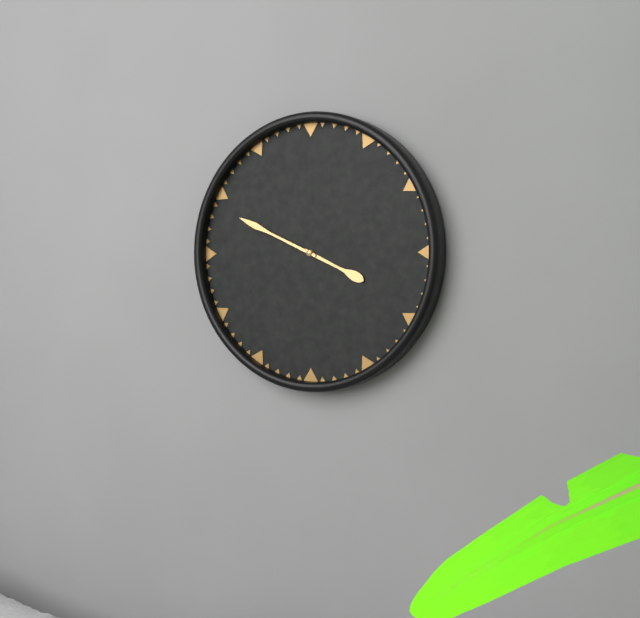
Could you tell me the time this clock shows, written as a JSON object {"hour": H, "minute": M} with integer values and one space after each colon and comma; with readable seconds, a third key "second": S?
{"hour": 3, "minute": 49}
